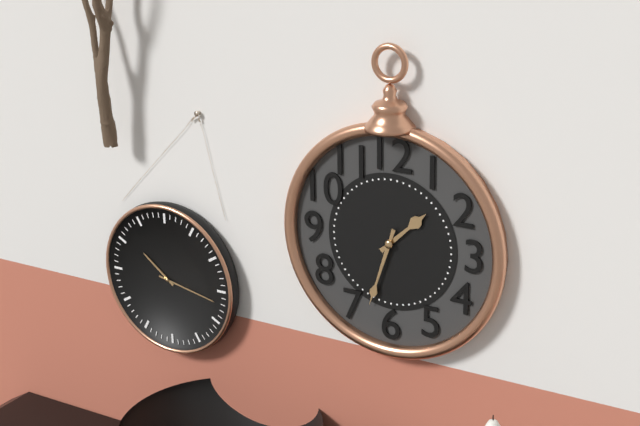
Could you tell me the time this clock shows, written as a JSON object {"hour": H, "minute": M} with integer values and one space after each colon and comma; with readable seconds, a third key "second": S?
{"hour": 1, "minute": 33}
